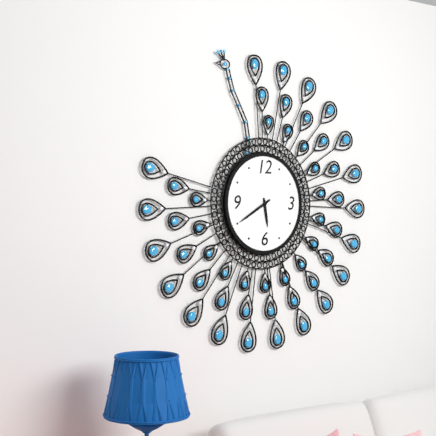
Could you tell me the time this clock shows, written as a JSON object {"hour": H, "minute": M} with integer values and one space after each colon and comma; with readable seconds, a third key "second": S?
{"hour": 5, "minute": 40}
